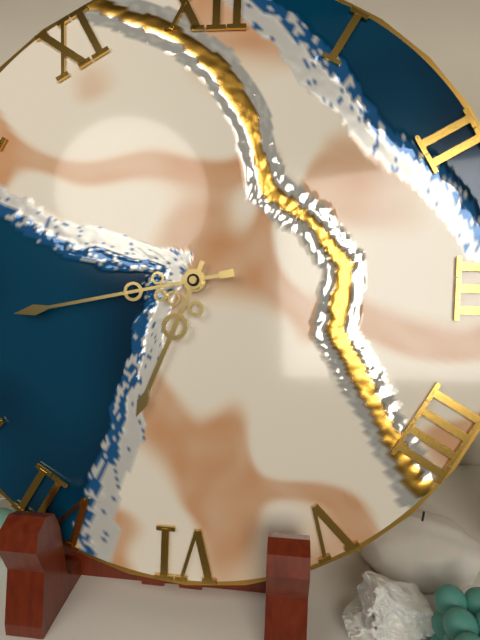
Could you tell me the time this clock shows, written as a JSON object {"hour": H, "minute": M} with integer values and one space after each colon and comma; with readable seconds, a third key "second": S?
{"hour": 6, "minute": 43}
